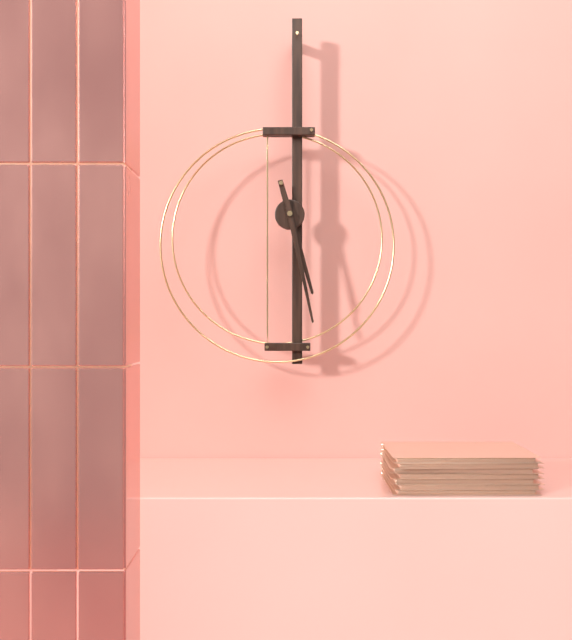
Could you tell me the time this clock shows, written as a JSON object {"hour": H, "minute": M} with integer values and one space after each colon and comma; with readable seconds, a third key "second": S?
{"hour": 5, "minute": 28}
